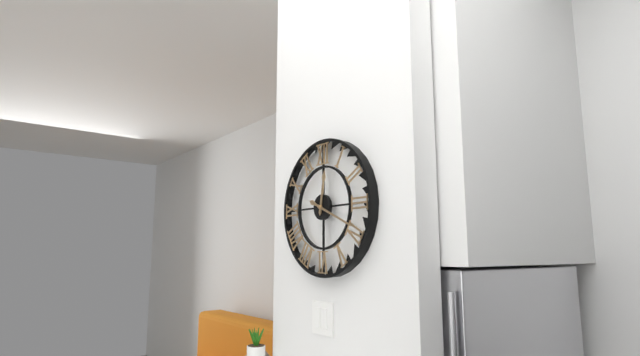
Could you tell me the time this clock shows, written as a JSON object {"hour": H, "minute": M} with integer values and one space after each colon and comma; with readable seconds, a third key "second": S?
{"hour": 12, "minute": 19}
